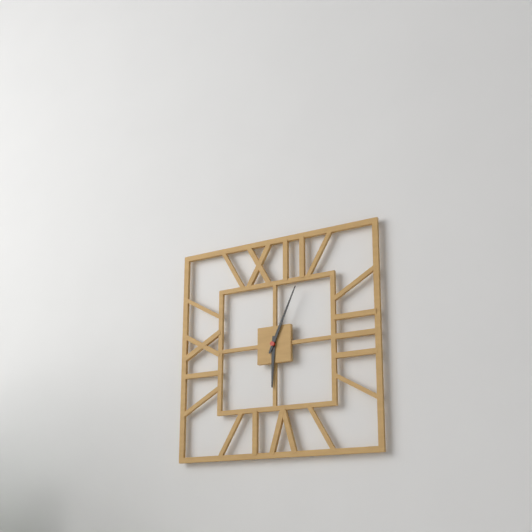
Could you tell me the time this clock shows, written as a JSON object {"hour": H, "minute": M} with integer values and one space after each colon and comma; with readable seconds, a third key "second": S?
{"hour": 6, "minute": 4}
